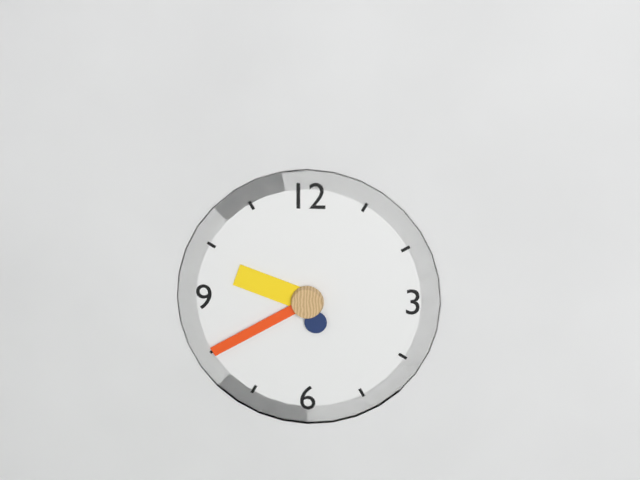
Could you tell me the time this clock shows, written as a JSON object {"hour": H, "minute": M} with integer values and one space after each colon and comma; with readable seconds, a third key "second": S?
{"hour": 9, "minute": 40}
